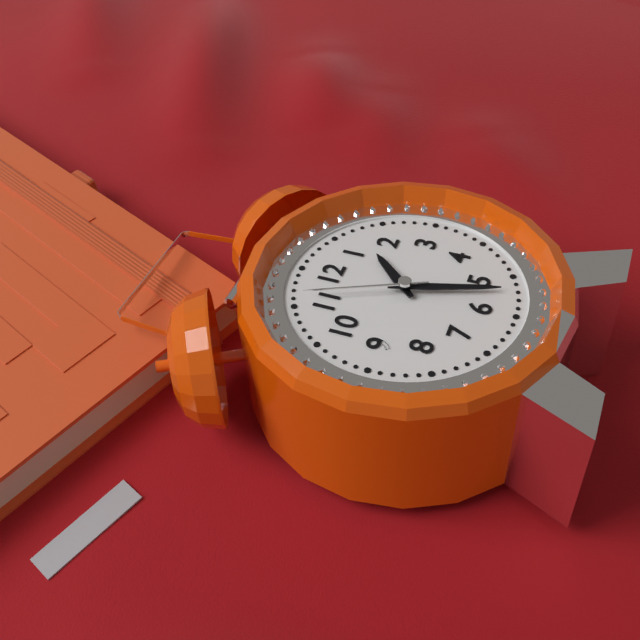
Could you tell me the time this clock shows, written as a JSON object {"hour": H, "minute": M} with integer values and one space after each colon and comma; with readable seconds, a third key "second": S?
{"hour": 1, "minute": 27, "second": 56}
